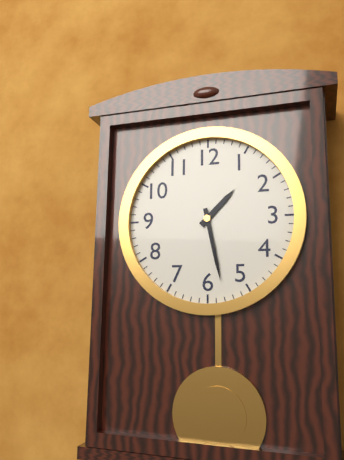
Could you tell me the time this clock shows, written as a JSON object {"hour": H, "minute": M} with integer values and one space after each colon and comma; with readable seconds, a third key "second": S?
{"hour": 1, "minute": 28}
